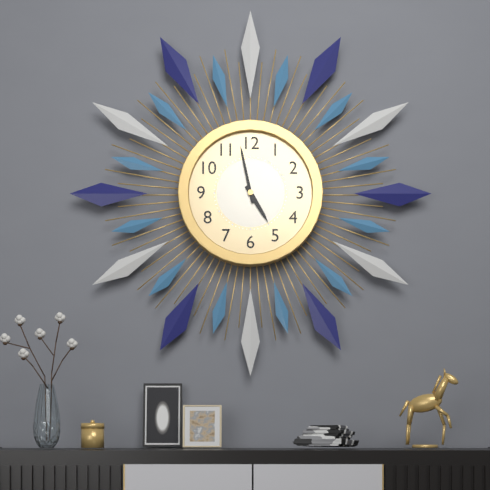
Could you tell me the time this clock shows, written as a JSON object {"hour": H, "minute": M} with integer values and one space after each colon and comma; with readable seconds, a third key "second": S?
{"hour": 4, "minute": 58}
